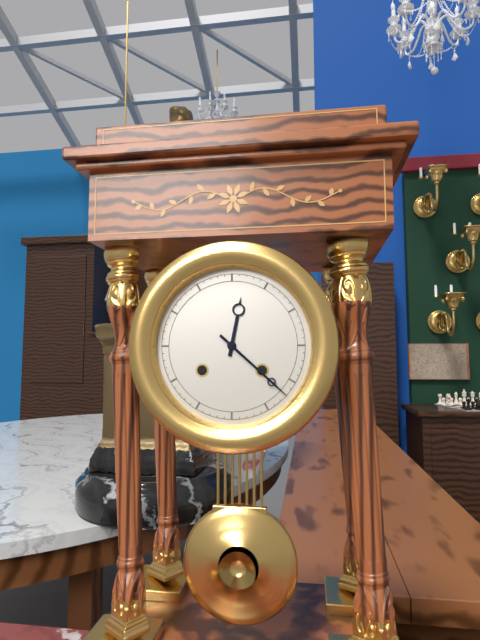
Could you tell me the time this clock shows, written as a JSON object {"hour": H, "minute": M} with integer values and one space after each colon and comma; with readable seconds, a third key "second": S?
{"hour": 12, "minute": 22}
